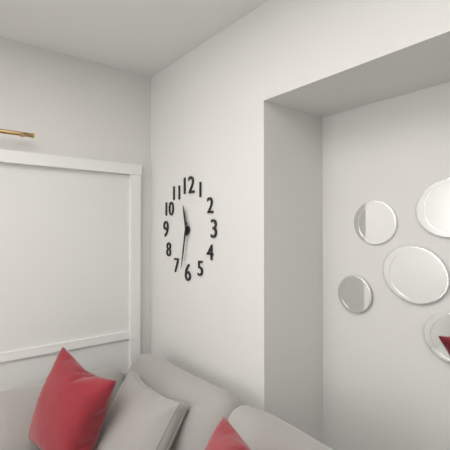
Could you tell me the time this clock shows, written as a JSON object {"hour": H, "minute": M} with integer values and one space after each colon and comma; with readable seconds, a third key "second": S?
{"hour": 11, "minute": 32}
